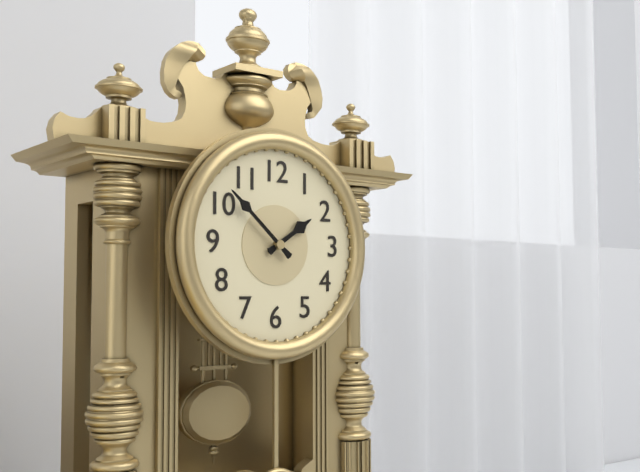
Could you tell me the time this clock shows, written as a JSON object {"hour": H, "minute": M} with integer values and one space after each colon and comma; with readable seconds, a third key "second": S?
{"hour": 1, "minute": 52}
